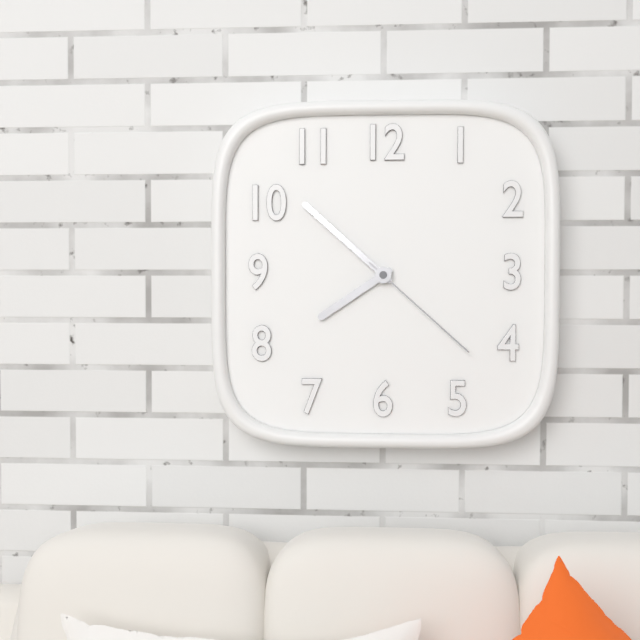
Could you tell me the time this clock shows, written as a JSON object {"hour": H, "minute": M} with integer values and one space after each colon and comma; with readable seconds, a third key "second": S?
{"hour": 7, "minute": 52, "second": 22}
